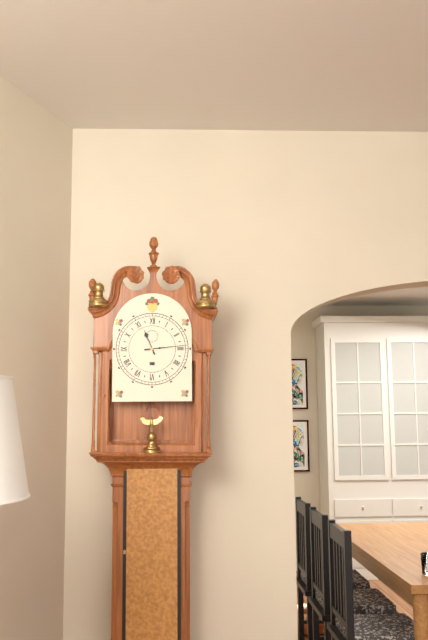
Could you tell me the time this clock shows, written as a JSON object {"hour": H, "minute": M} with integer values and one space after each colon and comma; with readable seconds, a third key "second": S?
{"hour": 11, "minute": 14}
